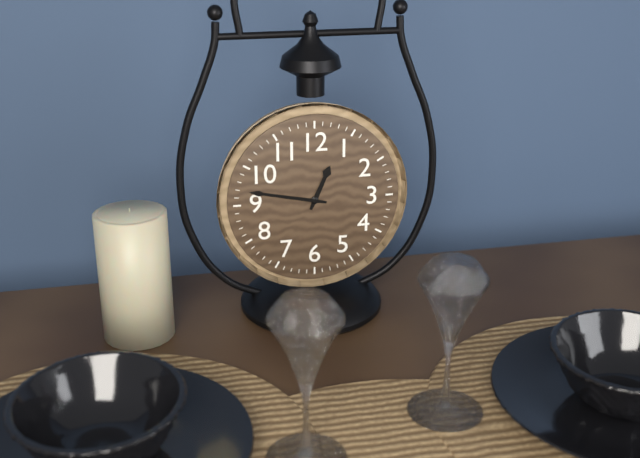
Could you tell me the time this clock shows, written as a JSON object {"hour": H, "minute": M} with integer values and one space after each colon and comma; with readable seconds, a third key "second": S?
{"hour": 12, "minute": 47}
